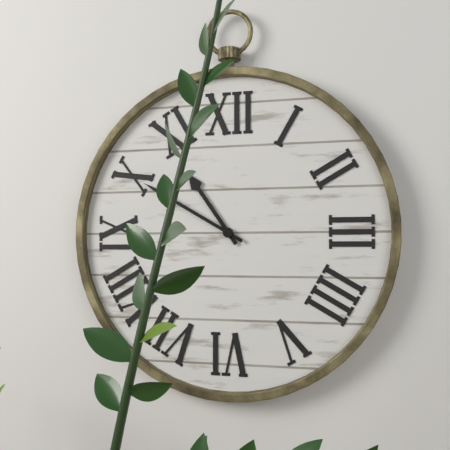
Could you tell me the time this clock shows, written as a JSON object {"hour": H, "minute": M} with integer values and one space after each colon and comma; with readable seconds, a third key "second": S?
{"hour": 10, "minute": 50}
